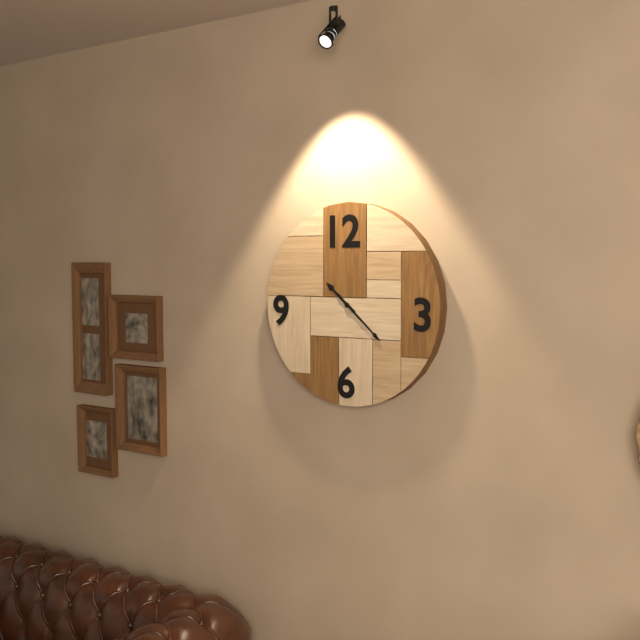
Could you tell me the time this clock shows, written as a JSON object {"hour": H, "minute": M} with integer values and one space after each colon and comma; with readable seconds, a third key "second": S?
{"hour": 10, "minute": 22}
